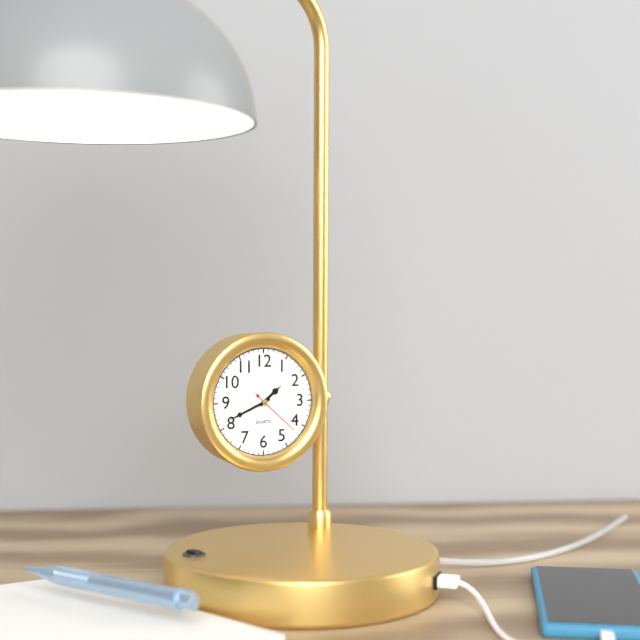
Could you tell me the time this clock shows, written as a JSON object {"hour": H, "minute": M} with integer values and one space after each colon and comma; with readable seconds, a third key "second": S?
{"hour": 1, "minute": 41, "second": 22}
